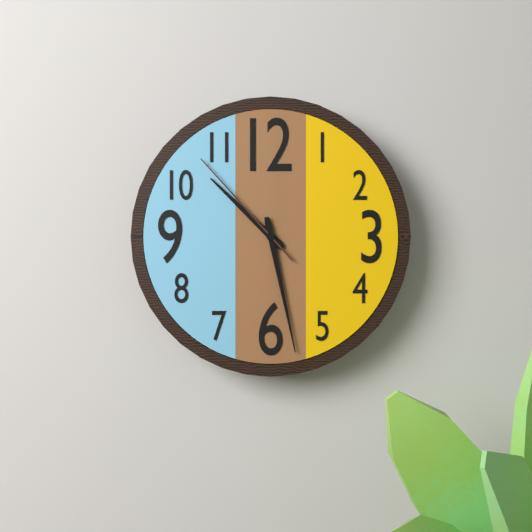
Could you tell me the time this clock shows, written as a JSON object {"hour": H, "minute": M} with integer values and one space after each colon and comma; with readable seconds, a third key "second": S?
{"hour": 10, "minute": 28, "second": 53}
